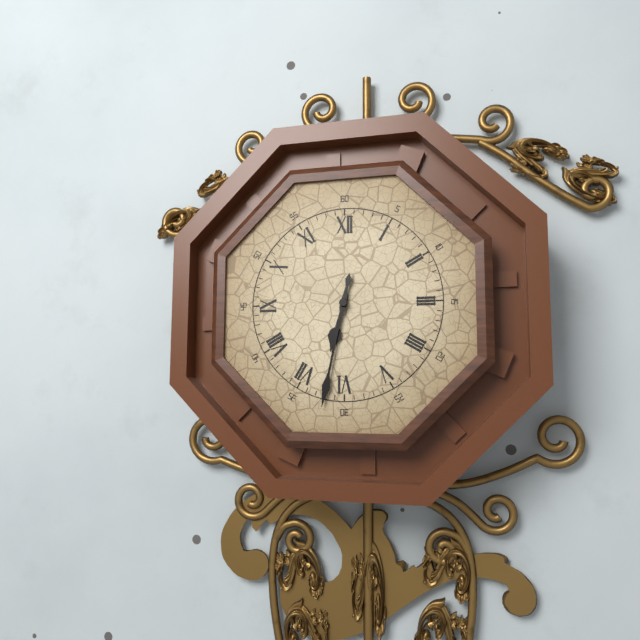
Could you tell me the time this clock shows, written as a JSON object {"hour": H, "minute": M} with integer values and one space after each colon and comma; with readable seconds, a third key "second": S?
{"hour": 6, "minute": 32}
